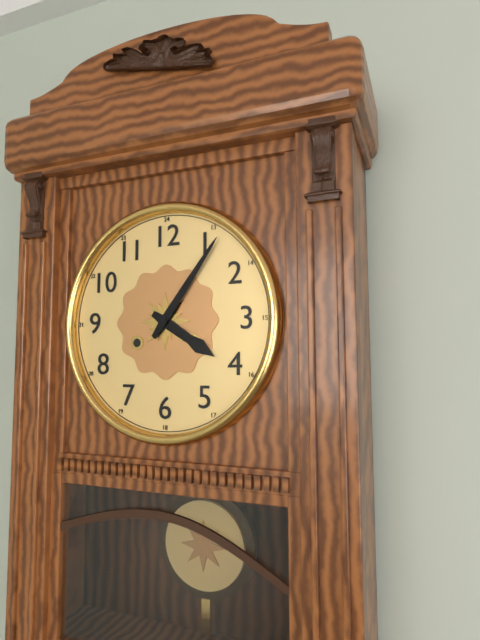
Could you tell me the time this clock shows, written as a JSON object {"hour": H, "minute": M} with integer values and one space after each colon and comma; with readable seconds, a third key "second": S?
{"hour": 4, "minute": 6}
